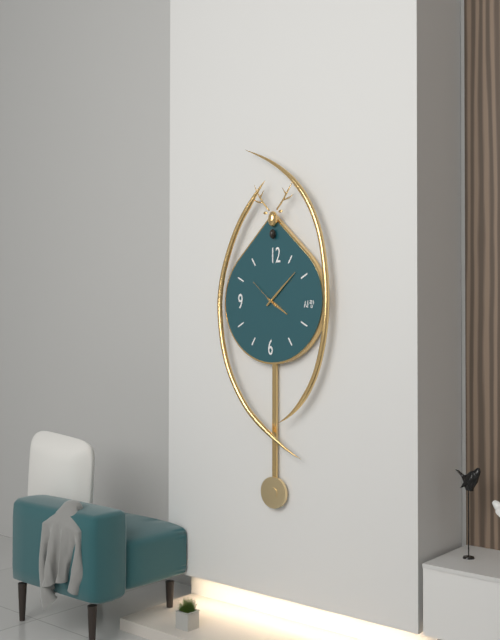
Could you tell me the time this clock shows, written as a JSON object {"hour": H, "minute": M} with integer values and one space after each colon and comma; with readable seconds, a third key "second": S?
{"hour": 4, "minute": 8}
